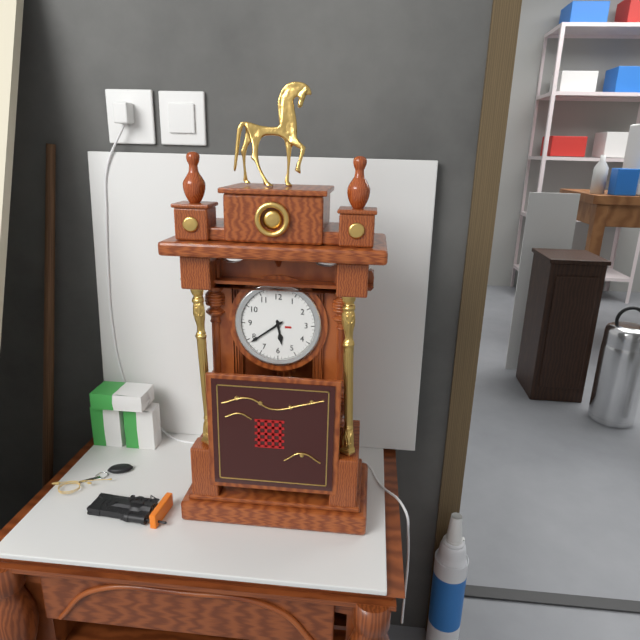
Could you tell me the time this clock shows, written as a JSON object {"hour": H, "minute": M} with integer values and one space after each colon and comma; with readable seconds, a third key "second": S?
{"hour": 5, "minute": 39}
